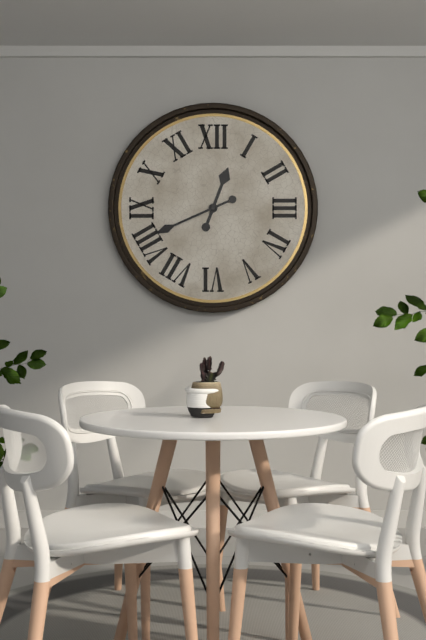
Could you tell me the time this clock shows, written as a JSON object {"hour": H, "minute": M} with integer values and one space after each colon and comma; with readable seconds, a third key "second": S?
{"hour": 12, "minute": 41}
